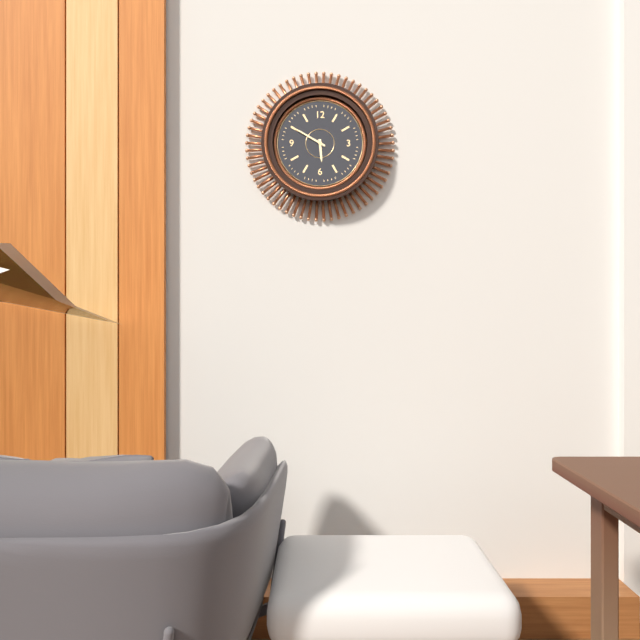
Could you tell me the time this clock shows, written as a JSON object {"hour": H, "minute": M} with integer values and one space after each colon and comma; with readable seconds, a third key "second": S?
{"hour": 5, "minute": 50}
